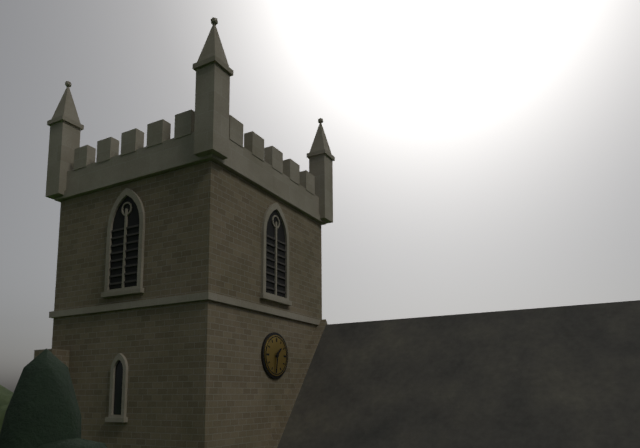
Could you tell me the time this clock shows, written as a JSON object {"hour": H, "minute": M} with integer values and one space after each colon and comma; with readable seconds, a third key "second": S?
{"hour": 1, "minute": 31}
